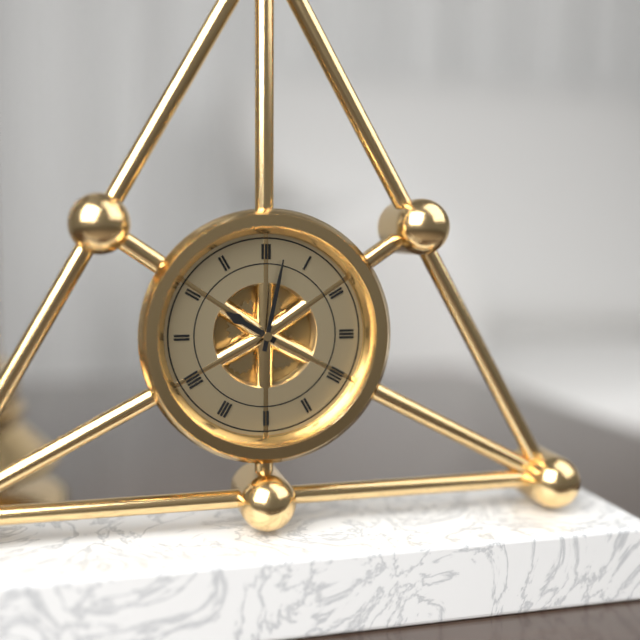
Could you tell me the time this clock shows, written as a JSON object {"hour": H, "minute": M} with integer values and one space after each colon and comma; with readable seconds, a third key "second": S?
{"hour": 10, "minute": 2}
